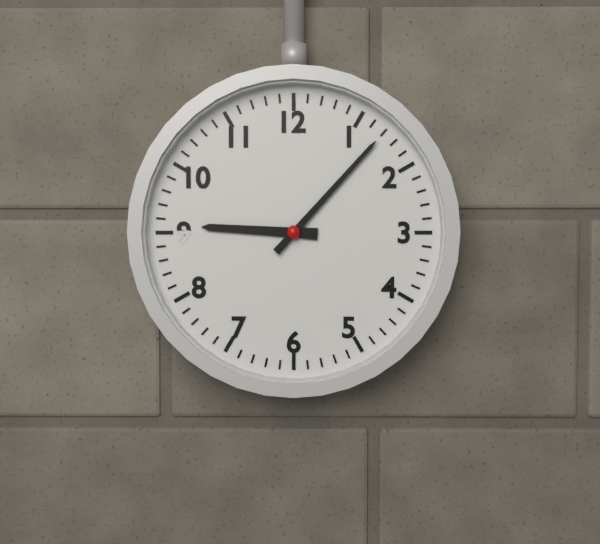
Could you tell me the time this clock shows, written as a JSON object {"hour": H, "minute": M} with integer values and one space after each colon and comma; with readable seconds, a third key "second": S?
{"hour": 9, "minute": 7}
